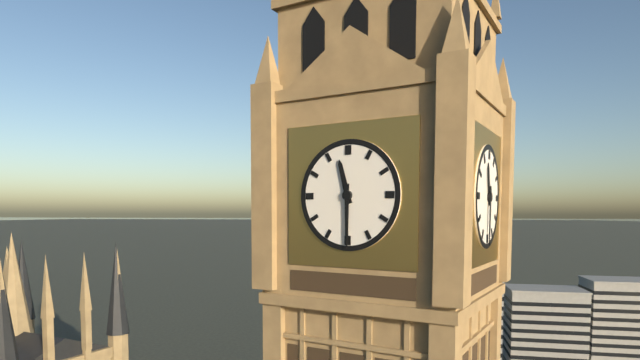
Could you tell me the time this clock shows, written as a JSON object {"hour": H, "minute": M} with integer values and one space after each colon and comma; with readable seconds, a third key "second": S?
{"hour": 11, "minute": 30}
